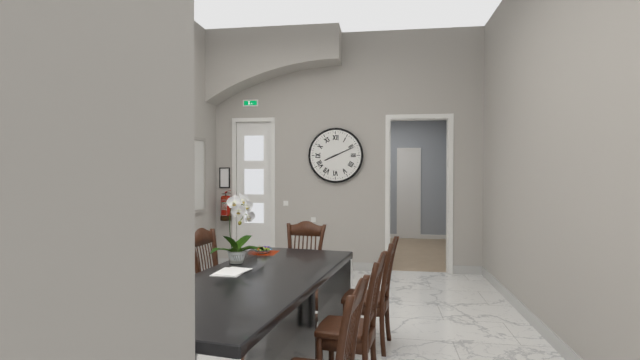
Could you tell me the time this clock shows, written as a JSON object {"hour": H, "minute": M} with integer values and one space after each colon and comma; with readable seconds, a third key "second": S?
{"hour": 8, "minute": 11}
